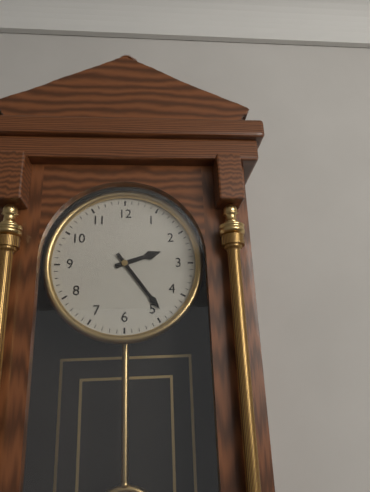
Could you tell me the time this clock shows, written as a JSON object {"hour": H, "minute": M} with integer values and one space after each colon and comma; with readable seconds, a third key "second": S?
{"hour": 2, "minute": 24}
